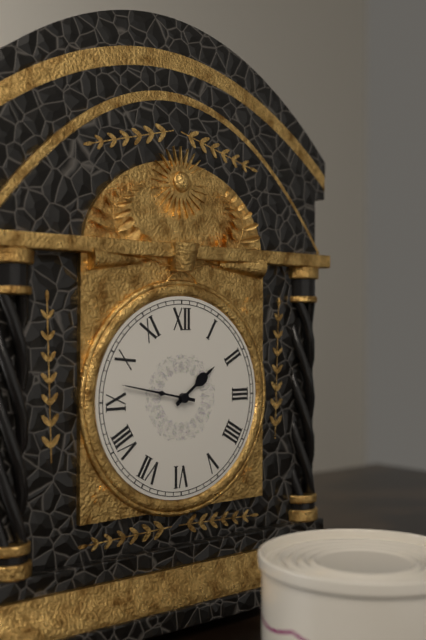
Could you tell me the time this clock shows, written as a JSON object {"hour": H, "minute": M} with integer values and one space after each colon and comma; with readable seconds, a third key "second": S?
{"hour": 1, "minute": 47}
